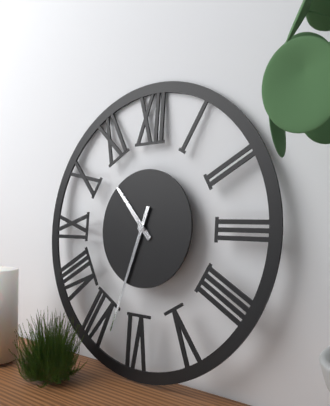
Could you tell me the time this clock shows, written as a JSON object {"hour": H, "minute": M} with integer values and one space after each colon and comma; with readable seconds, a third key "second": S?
{"hour": 10, "minute": 33}
